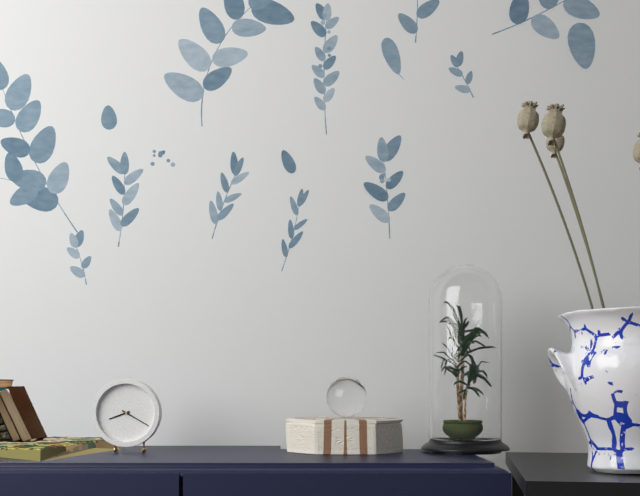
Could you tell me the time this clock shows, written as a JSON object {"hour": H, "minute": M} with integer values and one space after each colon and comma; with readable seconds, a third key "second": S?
{"hour": 8, "minute": 20}
